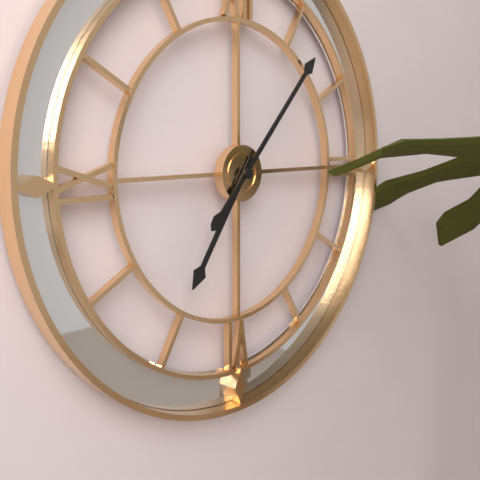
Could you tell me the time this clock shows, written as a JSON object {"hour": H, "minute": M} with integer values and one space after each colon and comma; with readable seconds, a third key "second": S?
{"hour": 7, "minute": 7}
